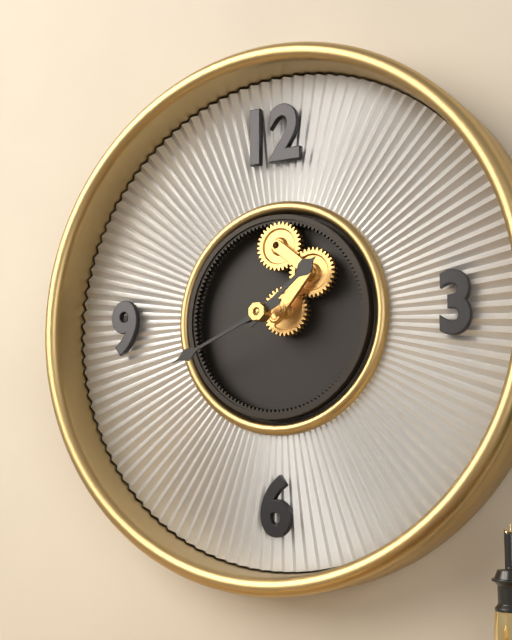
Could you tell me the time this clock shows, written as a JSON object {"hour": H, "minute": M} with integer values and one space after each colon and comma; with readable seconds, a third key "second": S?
{"hour": 1, "minute": 41}
